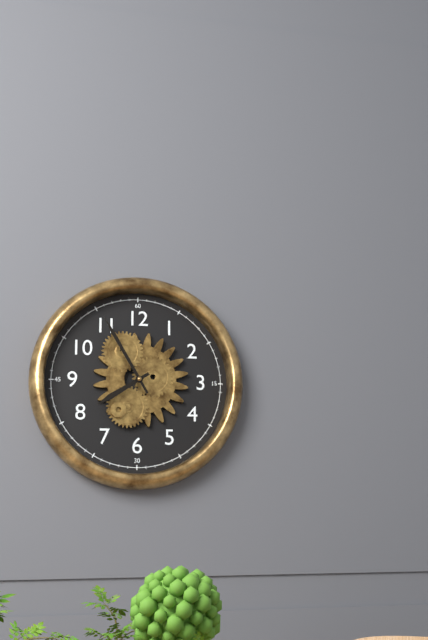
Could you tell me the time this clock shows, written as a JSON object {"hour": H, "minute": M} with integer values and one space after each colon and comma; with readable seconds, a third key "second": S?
{"hour": 7, "minute": 55}
